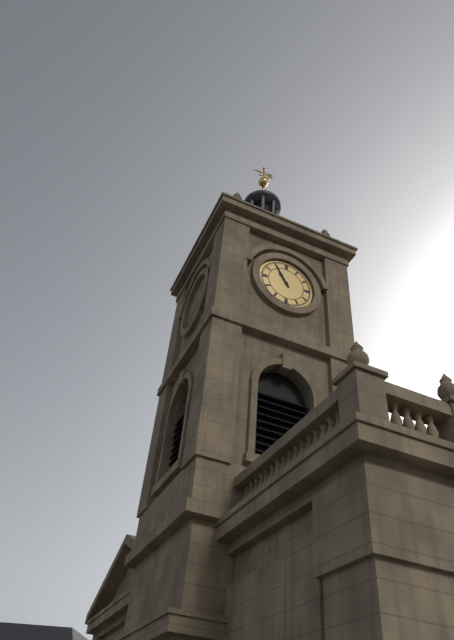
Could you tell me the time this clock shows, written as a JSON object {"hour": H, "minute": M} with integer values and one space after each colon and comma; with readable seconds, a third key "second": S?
{"hour": 10, "minute": 55}
